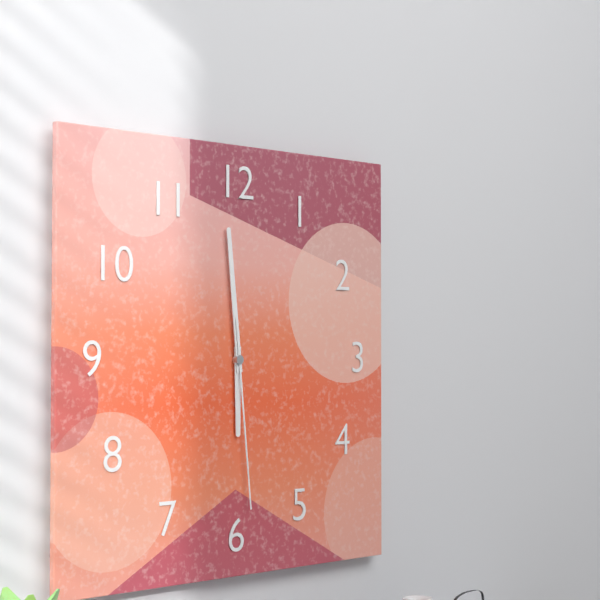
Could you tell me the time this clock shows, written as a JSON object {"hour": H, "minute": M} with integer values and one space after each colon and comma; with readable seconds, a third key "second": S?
{"hour": 5, "minute": 59, "second": 29}
